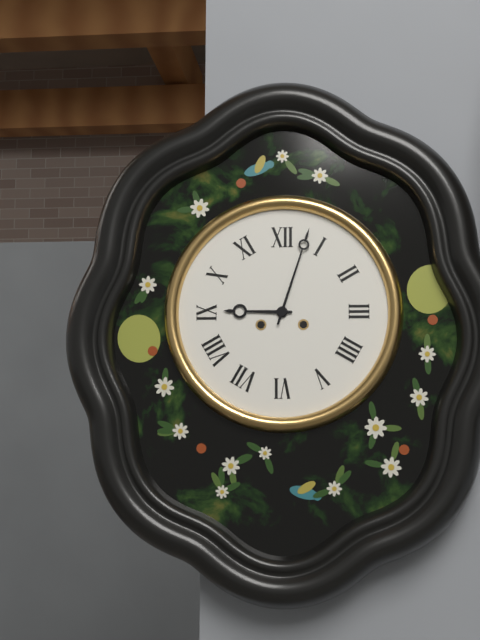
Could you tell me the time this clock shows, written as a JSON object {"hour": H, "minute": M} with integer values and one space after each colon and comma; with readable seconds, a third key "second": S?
{"hour": 9, "minute": 3}
